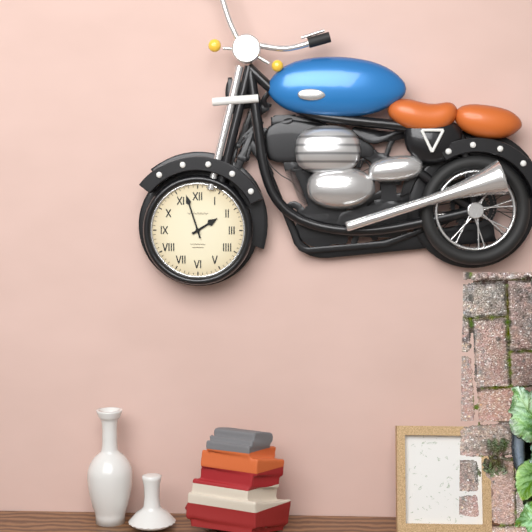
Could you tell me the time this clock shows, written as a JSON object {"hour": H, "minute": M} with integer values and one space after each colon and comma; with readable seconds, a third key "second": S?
{"hour": 1, "minute": 57}
